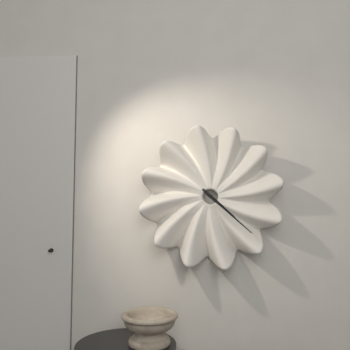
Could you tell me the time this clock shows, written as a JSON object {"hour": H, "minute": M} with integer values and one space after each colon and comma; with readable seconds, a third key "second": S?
{"hour": 4, "minute": 22}
